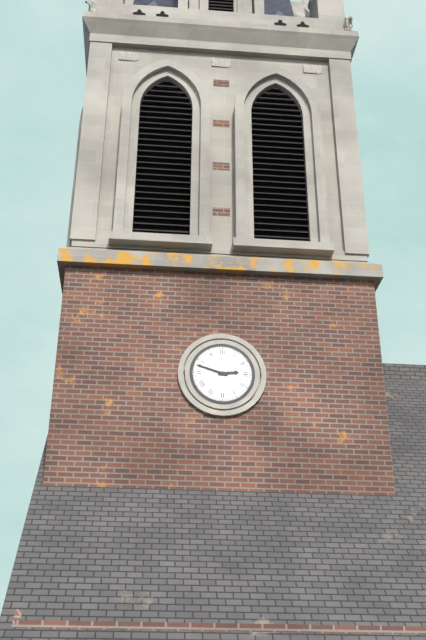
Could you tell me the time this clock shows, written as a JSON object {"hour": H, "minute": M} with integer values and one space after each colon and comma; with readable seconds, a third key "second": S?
{"hour": 2, "minute": 48}
